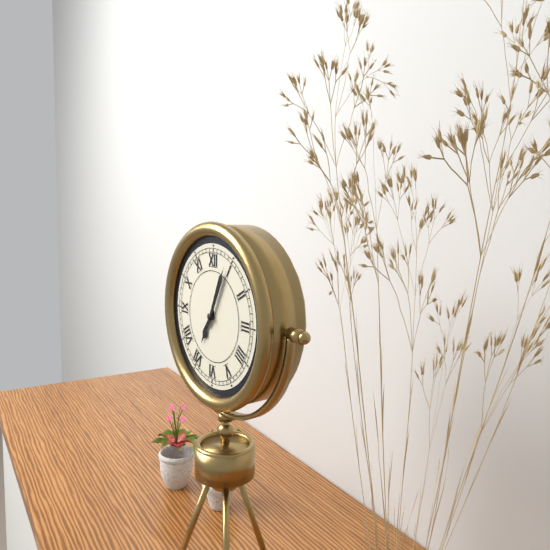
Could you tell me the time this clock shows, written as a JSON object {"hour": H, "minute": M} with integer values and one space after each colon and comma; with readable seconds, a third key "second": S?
{"hour": 7, "minute": 4}
